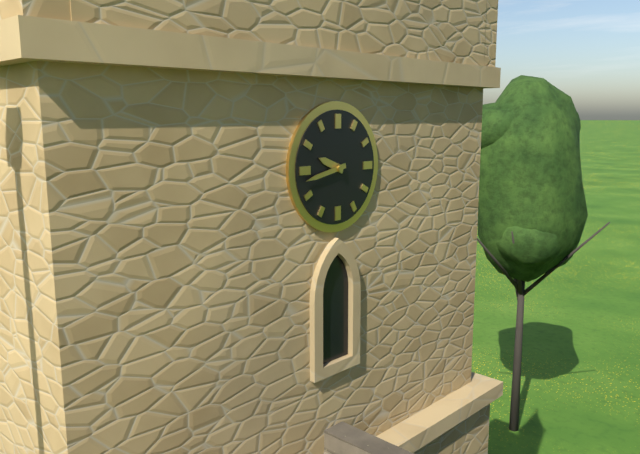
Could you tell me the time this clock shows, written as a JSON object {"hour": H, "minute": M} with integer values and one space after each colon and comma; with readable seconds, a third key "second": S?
{"hour": 9, "minute": 43}
